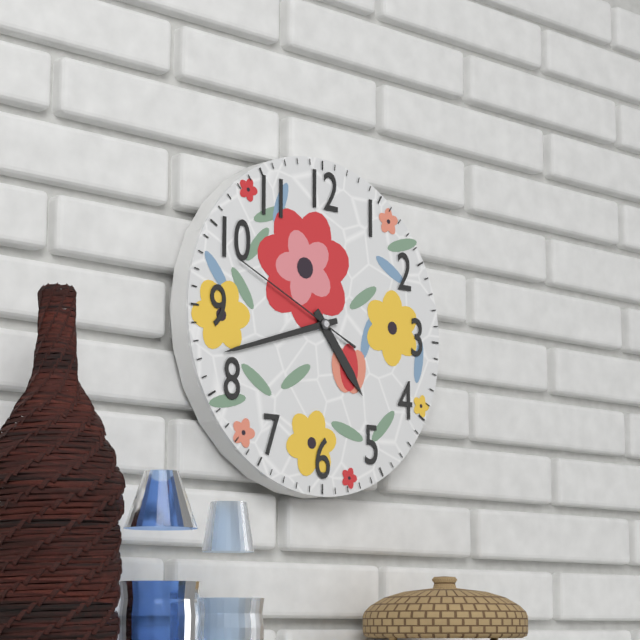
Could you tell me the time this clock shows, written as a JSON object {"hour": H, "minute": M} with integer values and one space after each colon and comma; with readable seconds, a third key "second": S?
{"hour": 4, "minute": 42, "second": 49}
